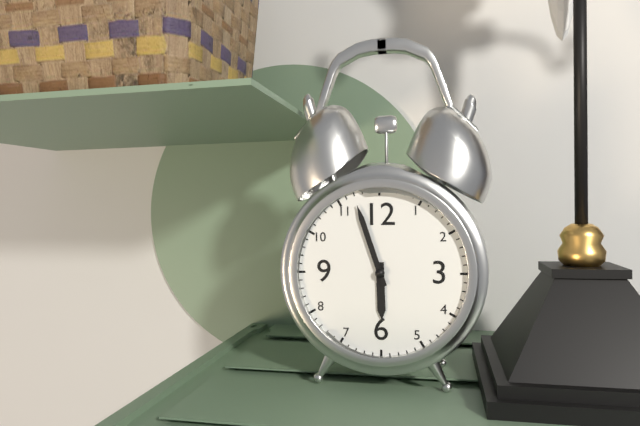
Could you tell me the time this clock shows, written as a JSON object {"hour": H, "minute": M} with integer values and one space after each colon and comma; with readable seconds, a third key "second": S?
{"hour": 5, "minute": 57}
